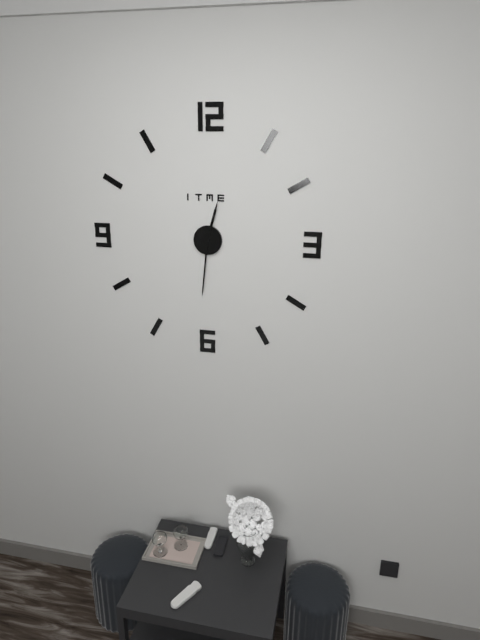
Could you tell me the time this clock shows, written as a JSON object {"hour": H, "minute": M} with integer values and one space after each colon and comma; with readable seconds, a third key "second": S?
{"hour": 12, "minute": 31}
